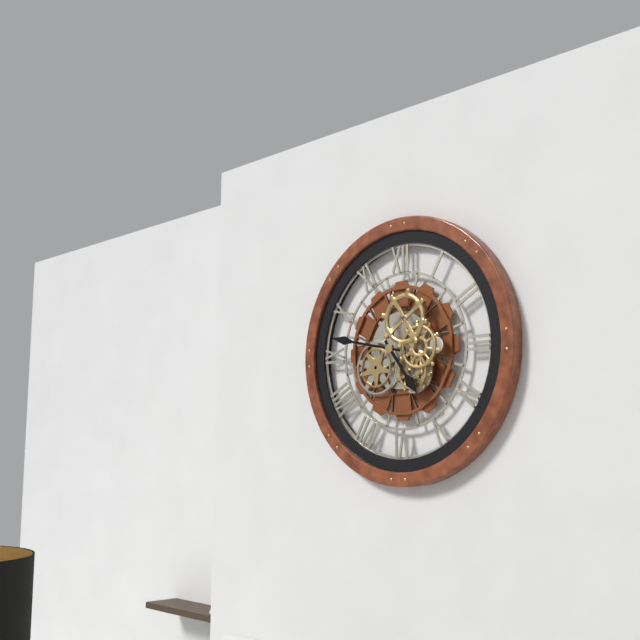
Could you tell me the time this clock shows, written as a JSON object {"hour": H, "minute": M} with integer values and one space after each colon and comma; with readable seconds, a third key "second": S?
{"hour": 4, "minute": 47}
